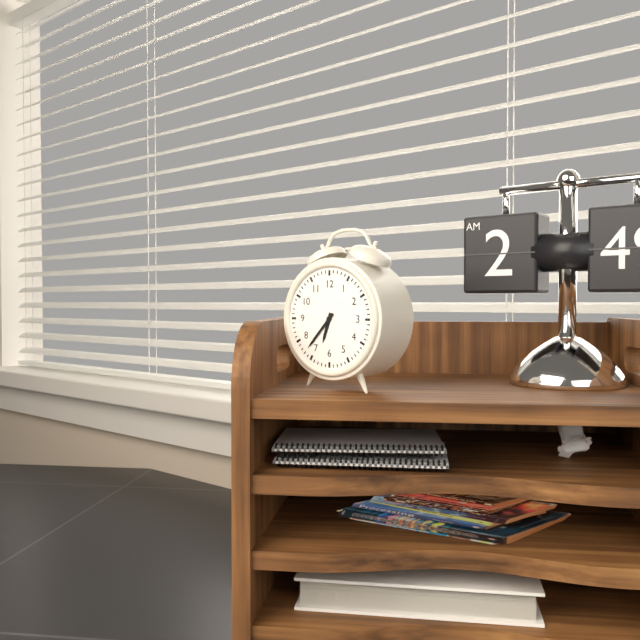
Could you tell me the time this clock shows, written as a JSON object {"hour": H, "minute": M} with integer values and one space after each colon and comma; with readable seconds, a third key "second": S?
{"hour": 6, "minute": 37}
